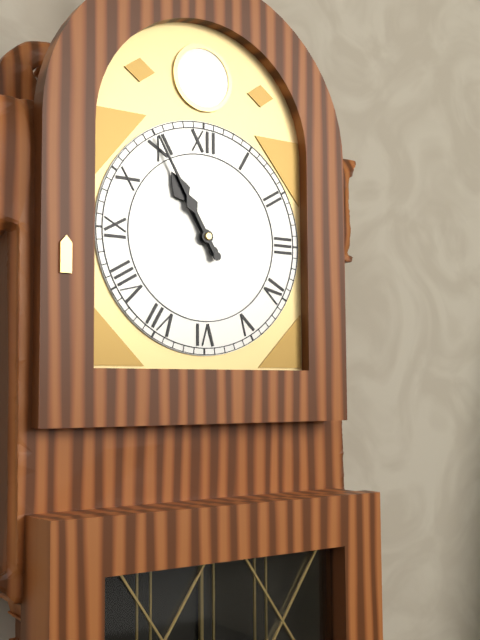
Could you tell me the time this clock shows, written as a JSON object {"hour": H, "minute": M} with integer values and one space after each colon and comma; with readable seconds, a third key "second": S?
{"hour": 10, "minute": 55}
